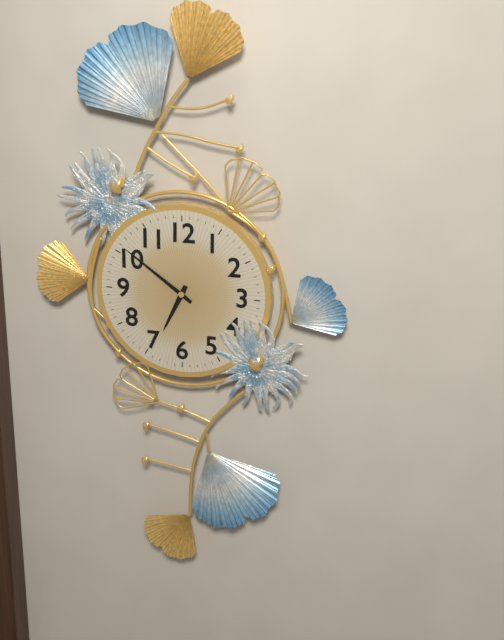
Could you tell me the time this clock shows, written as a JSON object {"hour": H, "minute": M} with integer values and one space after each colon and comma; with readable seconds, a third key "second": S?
{"hour": 6, "minute": 51}
